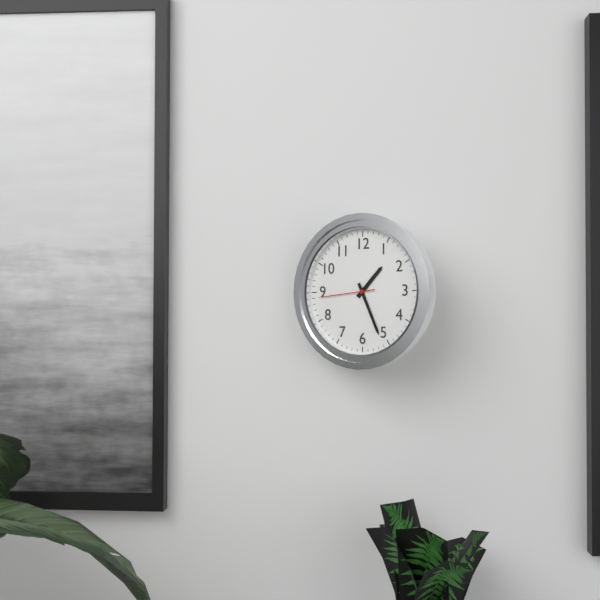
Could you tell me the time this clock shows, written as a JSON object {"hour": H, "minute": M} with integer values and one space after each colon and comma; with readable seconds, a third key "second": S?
{"hour": 1, "minute": 26, "second": 44}
